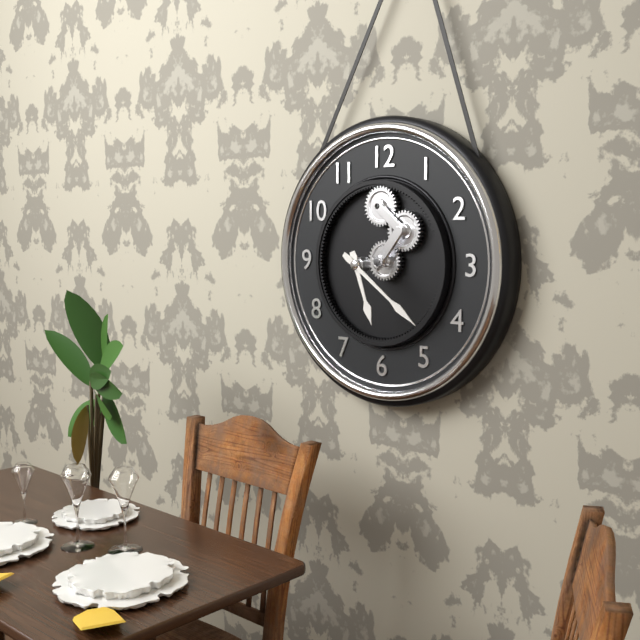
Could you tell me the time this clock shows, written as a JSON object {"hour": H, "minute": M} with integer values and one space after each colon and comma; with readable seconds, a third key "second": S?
{"hour": 5, "minute": 21}
